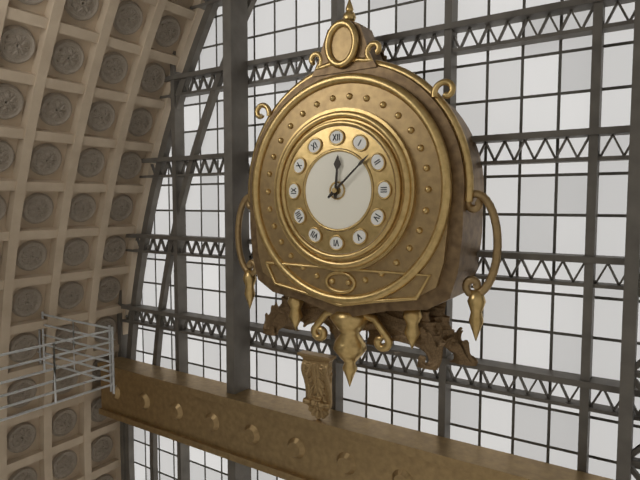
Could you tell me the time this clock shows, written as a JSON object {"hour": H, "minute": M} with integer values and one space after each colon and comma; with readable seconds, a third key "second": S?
{"hour": 12, "minute": 8}
